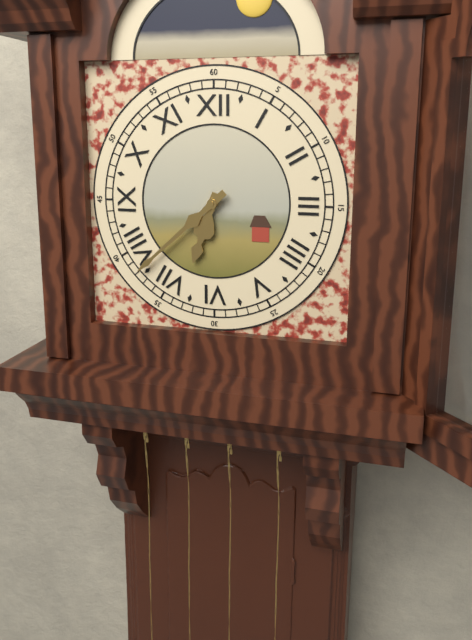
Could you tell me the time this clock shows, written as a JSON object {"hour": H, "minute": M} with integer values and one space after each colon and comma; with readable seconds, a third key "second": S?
{"hour": 6, "minute": 38}
